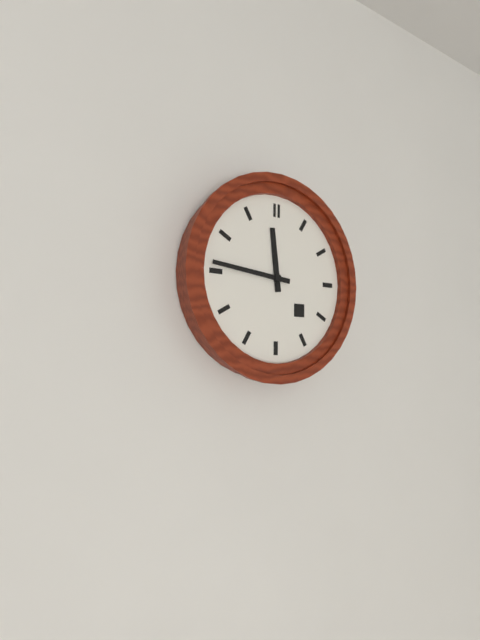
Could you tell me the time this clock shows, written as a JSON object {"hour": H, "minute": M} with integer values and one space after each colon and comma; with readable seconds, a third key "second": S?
{"hour": 11, "minute": 46}
